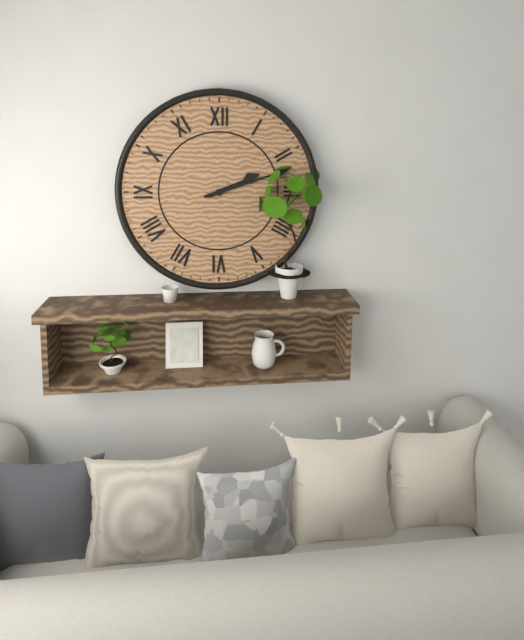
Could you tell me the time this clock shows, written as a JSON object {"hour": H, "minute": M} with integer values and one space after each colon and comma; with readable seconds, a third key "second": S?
{"hour": 2, "minute": 12}
